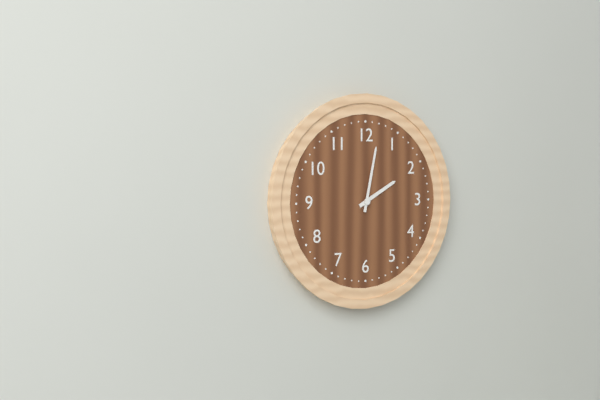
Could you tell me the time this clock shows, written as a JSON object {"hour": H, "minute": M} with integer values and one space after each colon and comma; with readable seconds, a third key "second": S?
{"hour": 2, "minute": 2}
